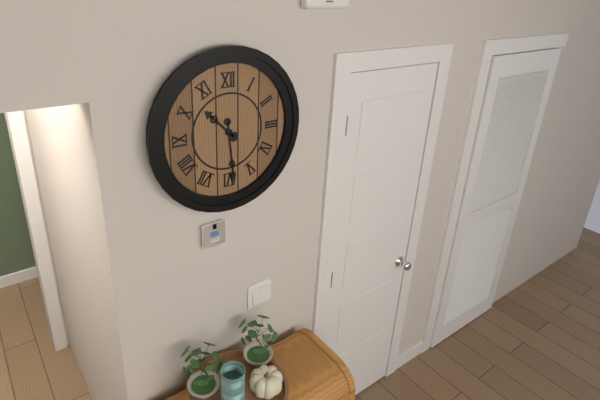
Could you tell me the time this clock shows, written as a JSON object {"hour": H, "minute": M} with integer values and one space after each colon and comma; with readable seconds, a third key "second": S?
{"hour": 10, "minute": 29}
